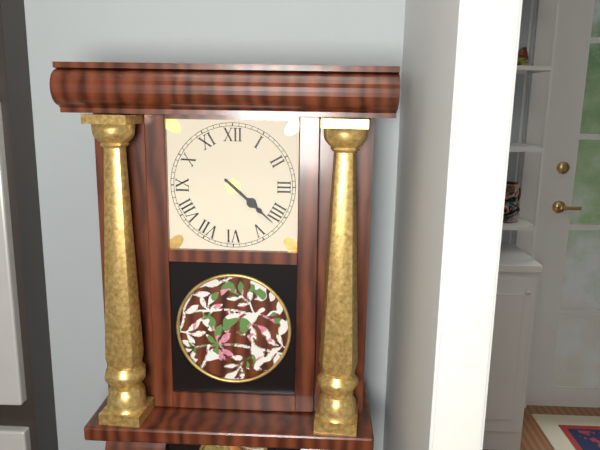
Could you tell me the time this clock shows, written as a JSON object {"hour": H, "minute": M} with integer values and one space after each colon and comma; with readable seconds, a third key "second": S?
{"hour": 4, "minute": 22}
